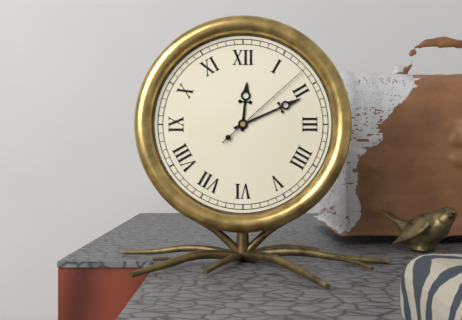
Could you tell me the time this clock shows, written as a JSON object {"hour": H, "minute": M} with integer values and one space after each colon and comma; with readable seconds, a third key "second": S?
{"hour": 12, "minute": 11, "second": 8}
